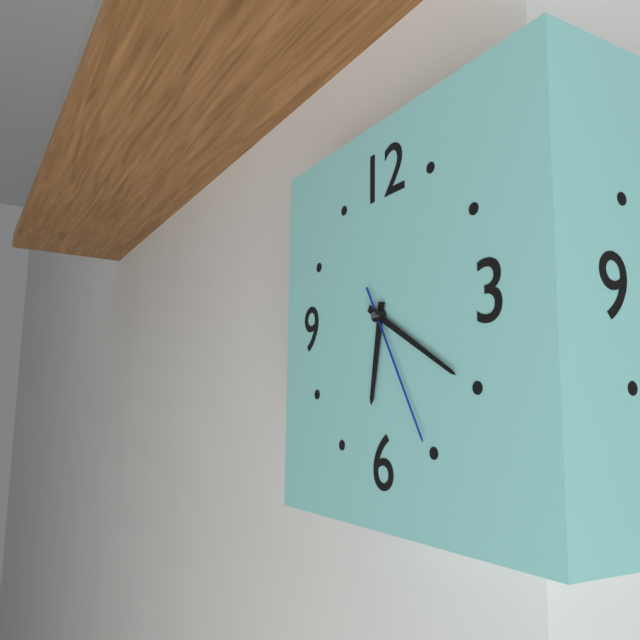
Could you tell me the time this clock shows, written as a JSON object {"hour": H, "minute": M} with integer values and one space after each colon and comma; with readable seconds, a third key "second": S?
{"hour": 6, "minute": 20, "second": 25}
